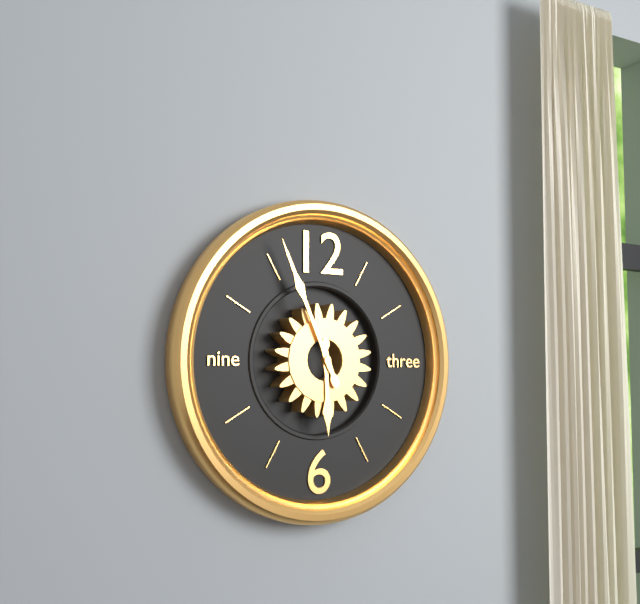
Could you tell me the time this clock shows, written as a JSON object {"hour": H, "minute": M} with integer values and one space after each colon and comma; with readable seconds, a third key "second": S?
{"hour": 5, "minute": 56}
